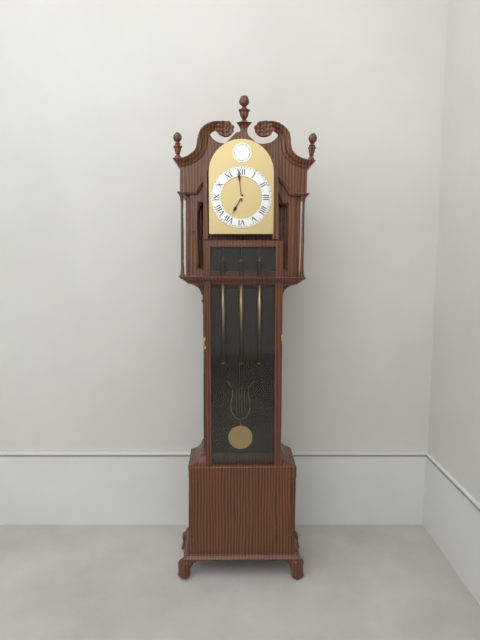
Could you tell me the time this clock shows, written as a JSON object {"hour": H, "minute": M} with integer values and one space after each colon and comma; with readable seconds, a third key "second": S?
{"hour": 6, "minute": 59}
